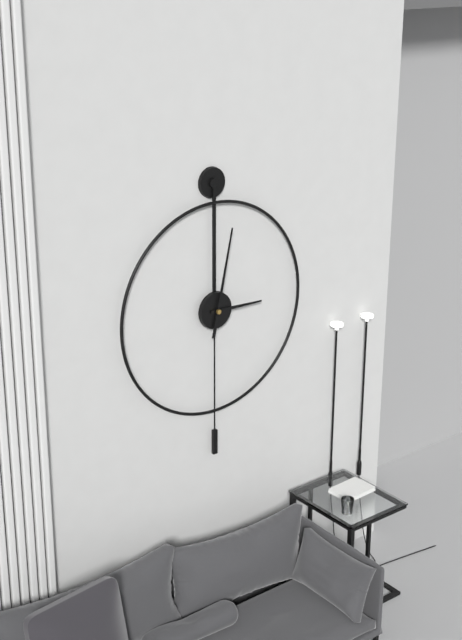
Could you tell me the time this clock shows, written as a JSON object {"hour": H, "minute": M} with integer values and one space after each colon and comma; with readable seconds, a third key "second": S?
{"hour": 3, "minute": 2}
